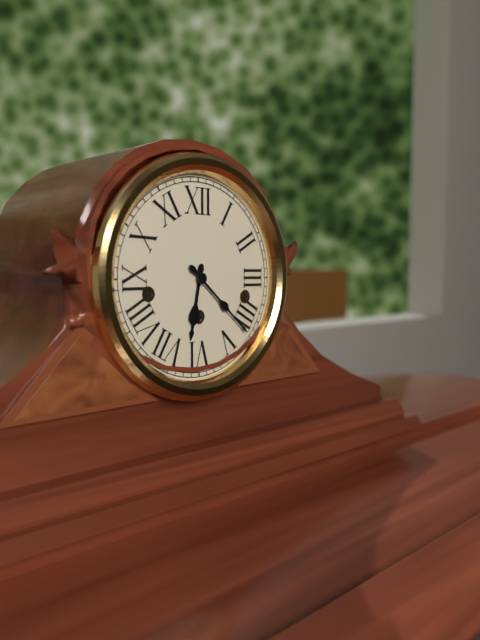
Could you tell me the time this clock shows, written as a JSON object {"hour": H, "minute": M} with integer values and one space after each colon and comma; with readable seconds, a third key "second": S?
{"hour": 6, "minute": 22}
